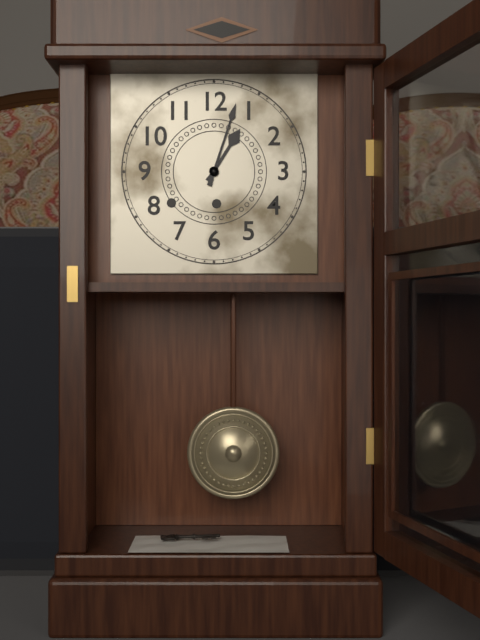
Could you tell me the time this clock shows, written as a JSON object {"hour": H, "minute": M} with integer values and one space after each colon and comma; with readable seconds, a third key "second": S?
{"hour": 1, "minute": 3}
